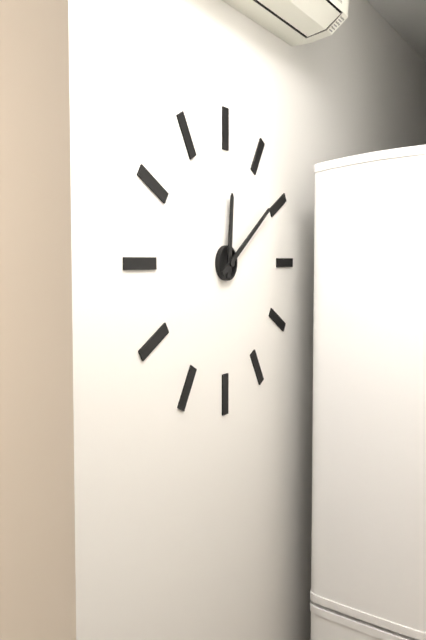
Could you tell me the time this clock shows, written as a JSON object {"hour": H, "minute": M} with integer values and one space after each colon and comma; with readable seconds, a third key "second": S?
{"hour": 12, "minute": 9}
